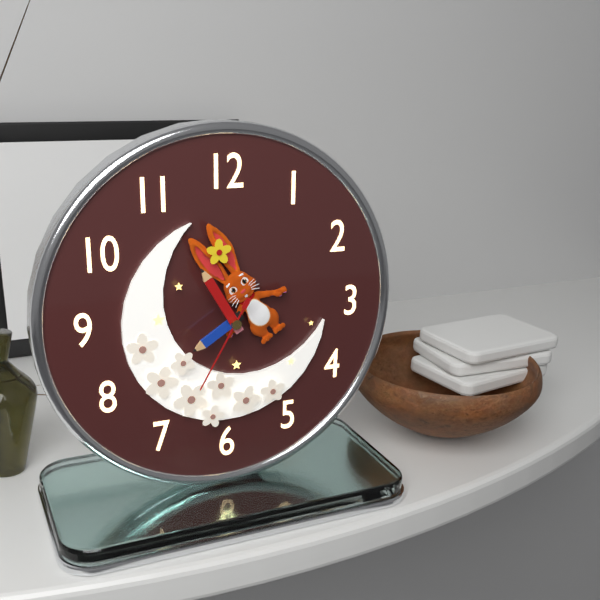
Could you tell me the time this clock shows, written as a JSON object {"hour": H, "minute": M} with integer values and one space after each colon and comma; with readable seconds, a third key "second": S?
{"hour": 7, "minute": 55, "second": 35}
